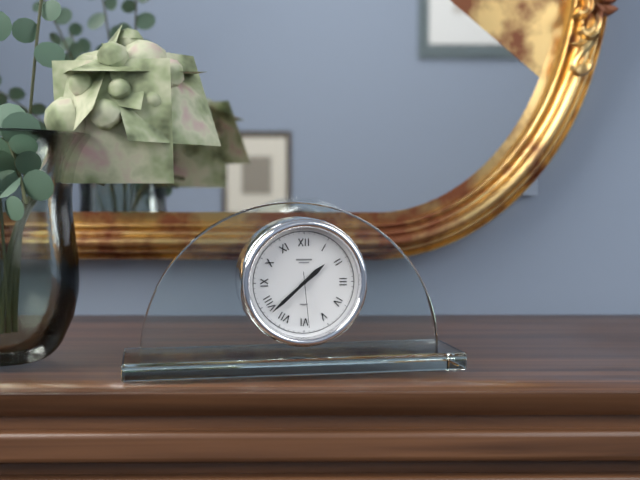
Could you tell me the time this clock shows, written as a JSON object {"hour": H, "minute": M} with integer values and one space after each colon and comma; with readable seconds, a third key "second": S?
{"hour": 1, "minute": 38, "second": 29}
